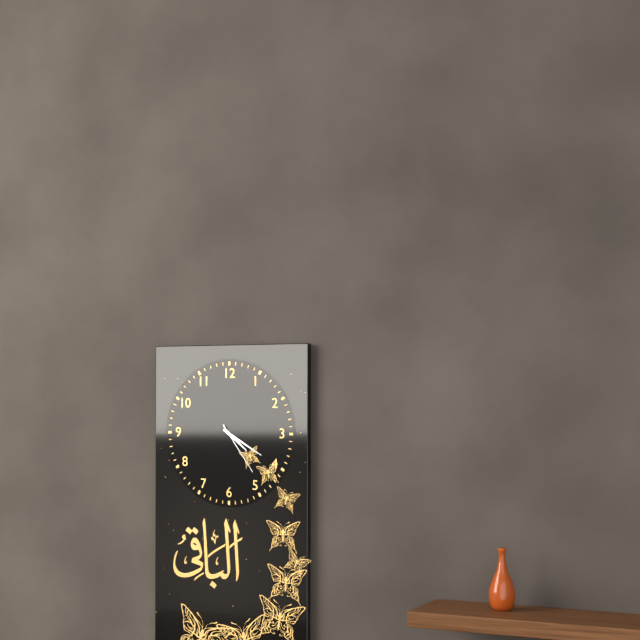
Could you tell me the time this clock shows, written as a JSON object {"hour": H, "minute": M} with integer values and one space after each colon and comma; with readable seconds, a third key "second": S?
{"hour": 4, "minute": 20, "second": 24}
